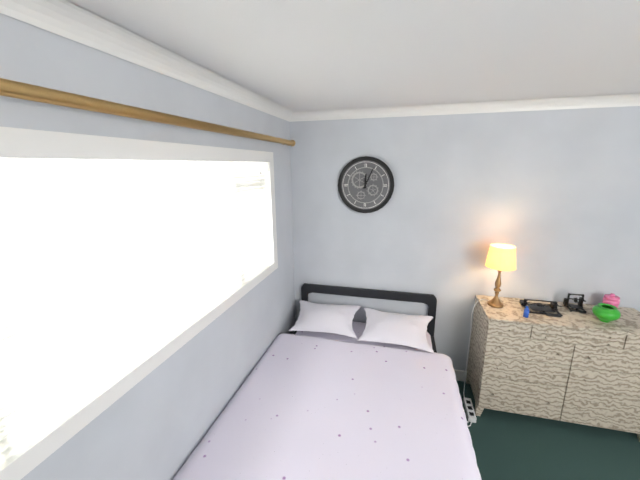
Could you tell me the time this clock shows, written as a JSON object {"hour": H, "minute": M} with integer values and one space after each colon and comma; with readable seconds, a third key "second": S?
{"hour": 12, "minute": 4}
